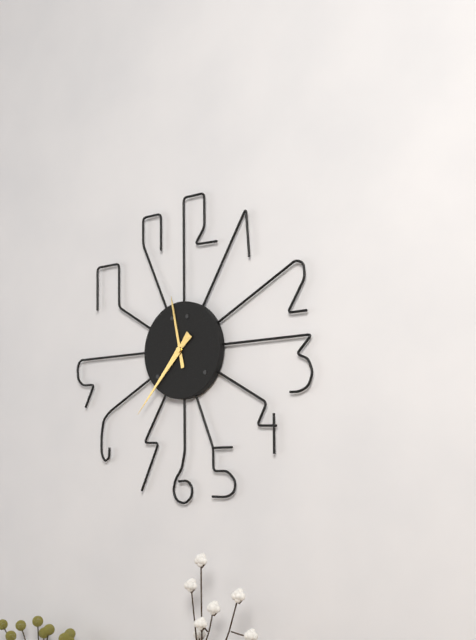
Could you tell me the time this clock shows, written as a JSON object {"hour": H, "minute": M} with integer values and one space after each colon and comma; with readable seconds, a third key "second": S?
{"hour": 11, "minute": 37}
